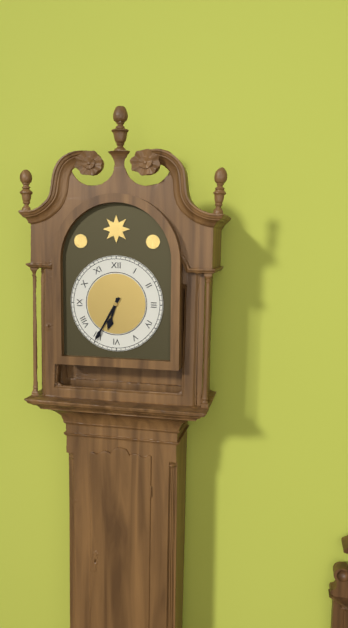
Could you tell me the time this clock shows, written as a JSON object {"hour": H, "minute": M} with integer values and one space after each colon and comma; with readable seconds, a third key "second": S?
{"hour": 6, "minute": 35}
